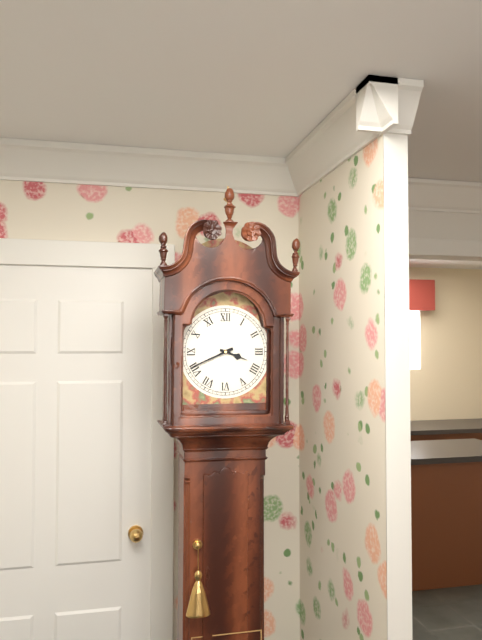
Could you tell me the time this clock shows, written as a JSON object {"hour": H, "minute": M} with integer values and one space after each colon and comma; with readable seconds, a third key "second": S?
{"hour": 3, "minute": 41}
